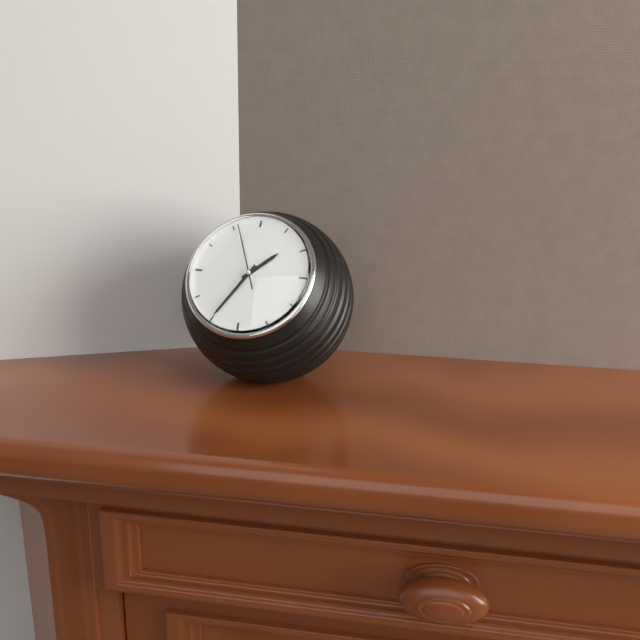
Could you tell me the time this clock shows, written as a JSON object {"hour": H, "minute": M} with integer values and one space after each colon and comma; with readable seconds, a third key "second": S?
{"hour": 1, "minute": 35, "second": 56}
